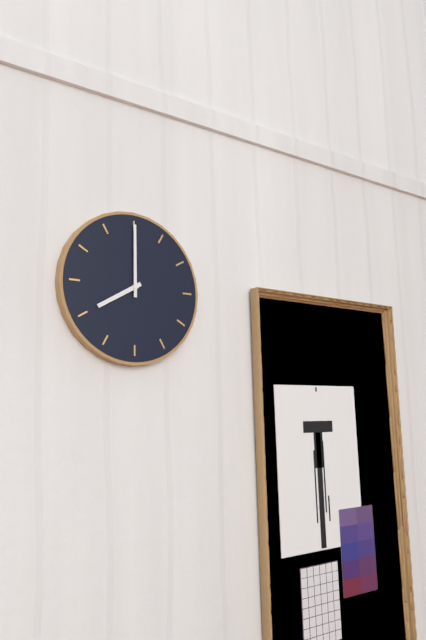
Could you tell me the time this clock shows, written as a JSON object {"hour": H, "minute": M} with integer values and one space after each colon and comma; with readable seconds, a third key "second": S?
{"hour": 8, "minute": 0}
